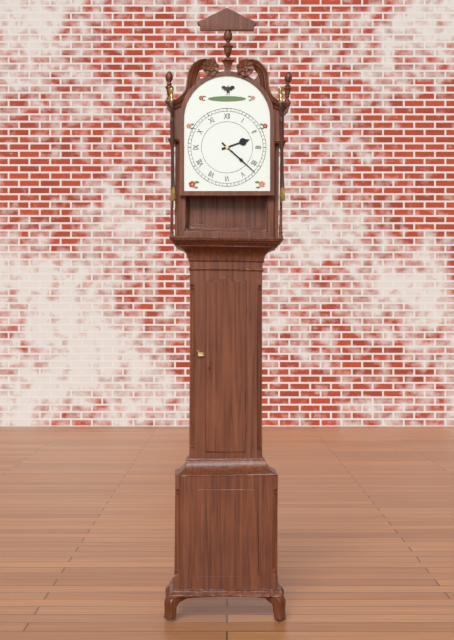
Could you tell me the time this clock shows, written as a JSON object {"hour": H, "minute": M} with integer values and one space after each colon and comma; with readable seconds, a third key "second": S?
{"hour": 2, "minute": 22}
